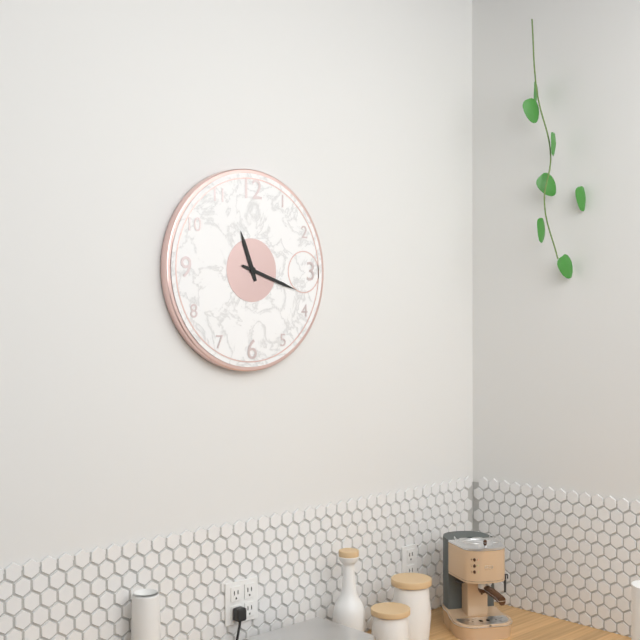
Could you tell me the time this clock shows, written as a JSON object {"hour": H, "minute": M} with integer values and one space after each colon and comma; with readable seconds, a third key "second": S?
{"hour": 11, "minute": 18}
